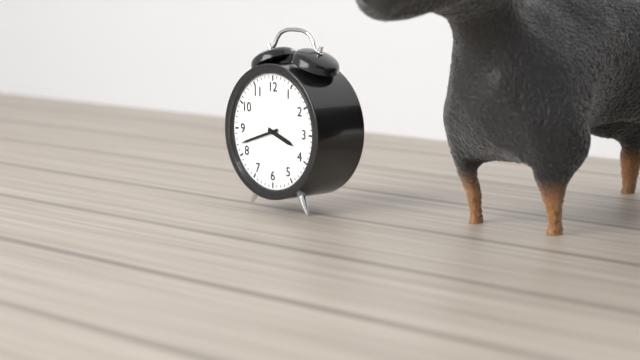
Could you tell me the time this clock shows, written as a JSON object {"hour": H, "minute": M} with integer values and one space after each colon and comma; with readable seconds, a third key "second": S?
{"hour": 3, "minute": 42}
